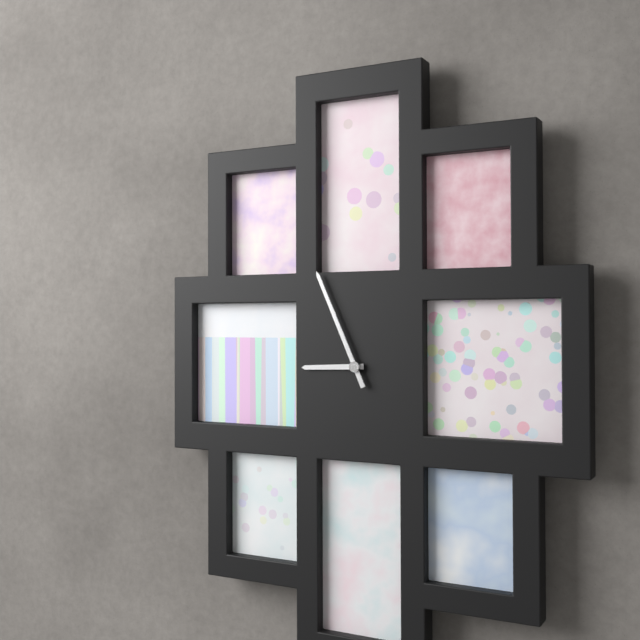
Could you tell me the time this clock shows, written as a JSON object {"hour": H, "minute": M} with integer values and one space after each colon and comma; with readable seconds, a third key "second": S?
{"hour": 8, "minute": 56}
